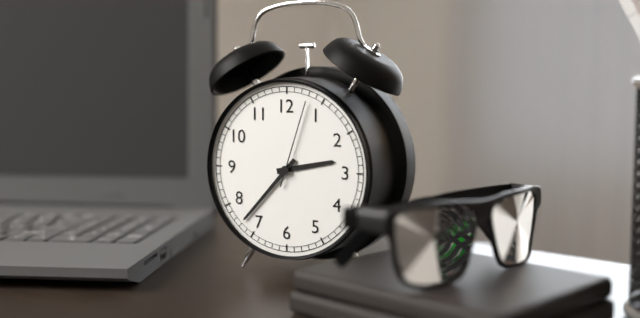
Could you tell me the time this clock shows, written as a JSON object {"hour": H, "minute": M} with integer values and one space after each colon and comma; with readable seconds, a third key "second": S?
{"hour": 2, "minute": 37, "second": 3}
